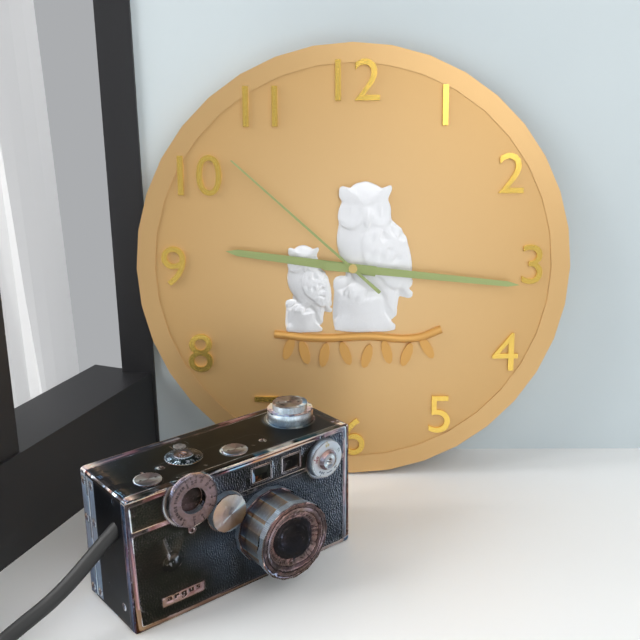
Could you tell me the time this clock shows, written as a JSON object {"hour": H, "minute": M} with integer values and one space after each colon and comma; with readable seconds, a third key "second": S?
{"hour": 9, "minute": 16, "second": 52}
